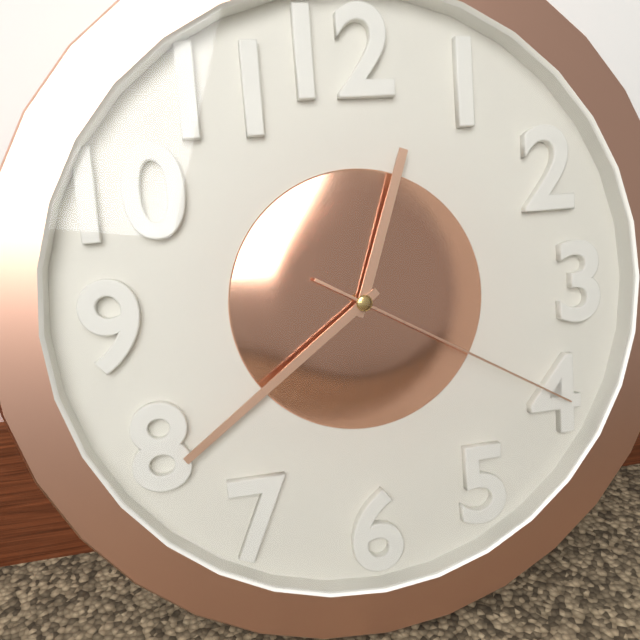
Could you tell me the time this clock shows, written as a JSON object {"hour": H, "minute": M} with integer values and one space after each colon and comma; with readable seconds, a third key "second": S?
{"hour": 12, "minute": 39, "second": 20}
